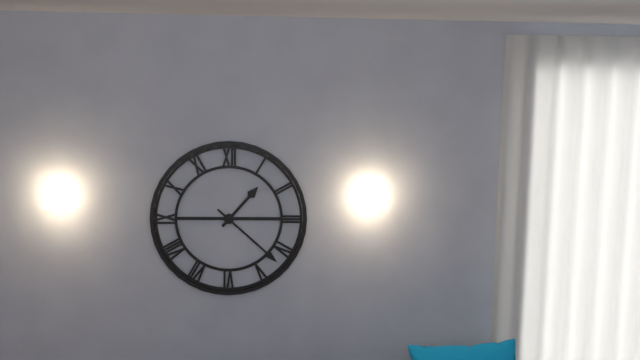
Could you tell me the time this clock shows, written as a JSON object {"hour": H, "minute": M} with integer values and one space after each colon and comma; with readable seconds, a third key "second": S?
{"hour": 1, "minute": 22}
